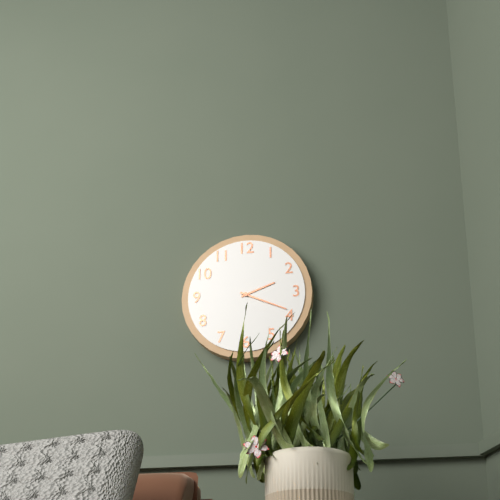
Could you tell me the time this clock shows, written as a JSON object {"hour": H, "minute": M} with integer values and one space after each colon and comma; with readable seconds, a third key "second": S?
{"hour": 2, "minute": 19}
